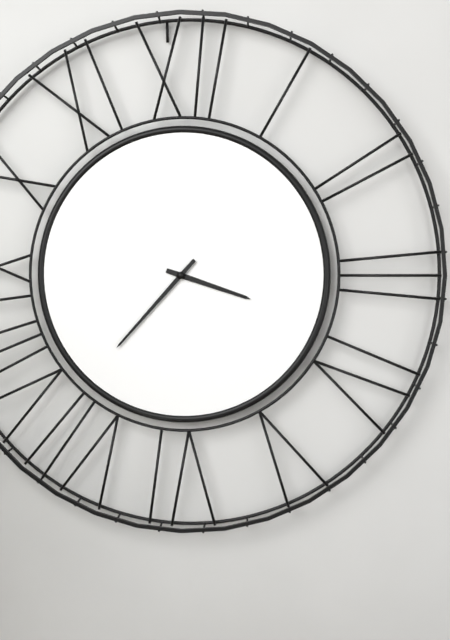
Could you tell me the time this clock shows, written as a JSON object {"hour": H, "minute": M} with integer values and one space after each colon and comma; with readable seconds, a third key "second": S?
{"hour": 3, "minute": 37}
